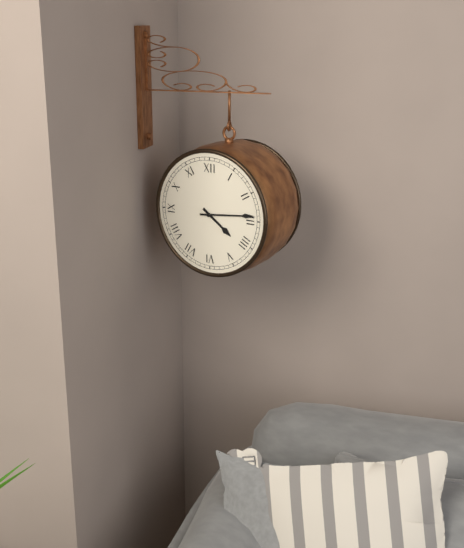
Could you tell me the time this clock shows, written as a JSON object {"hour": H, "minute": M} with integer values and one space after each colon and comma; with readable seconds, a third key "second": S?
{"hour": 4, "minute": 14}
